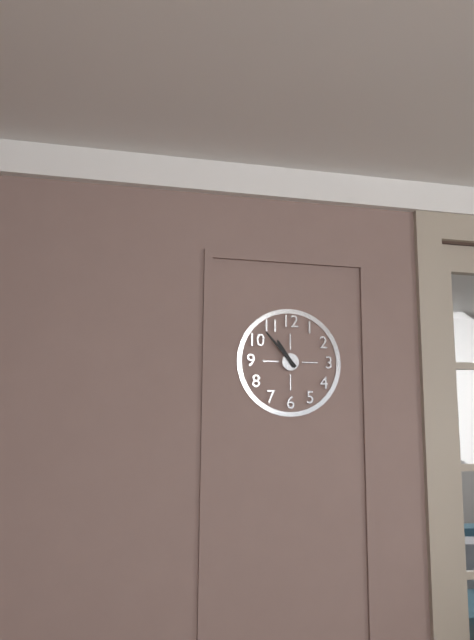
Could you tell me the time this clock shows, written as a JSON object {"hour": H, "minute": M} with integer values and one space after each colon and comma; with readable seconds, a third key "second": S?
{"hour": 10, "minute": 53}
